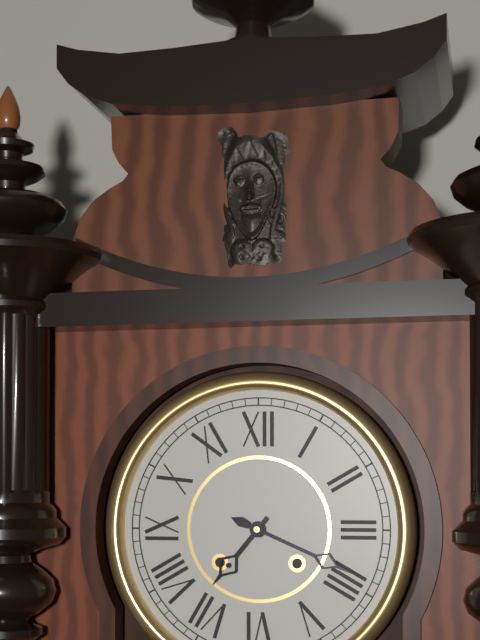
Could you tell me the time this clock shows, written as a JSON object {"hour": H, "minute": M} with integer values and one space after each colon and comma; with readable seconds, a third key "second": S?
{"hour": 7, "minute": 19}
